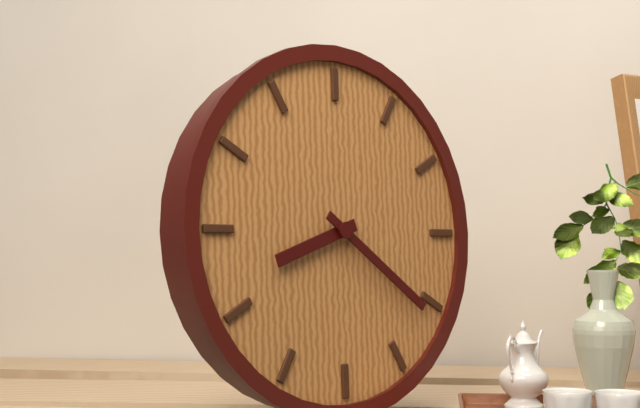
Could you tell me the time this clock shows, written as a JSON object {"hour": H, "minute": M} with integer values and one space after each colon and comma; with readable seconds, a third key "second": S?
{"hour": 8, "minute": 21}
